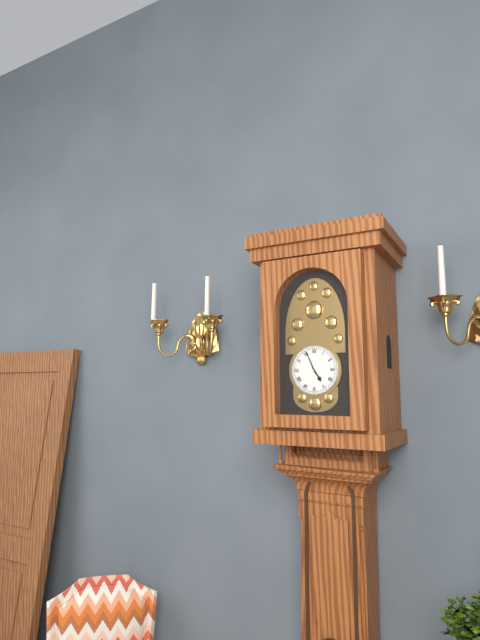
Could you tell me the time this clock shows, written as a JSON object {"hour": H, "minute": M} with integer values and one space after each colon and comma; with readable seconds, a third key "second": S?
{"hour": 4, "minute": 56}
